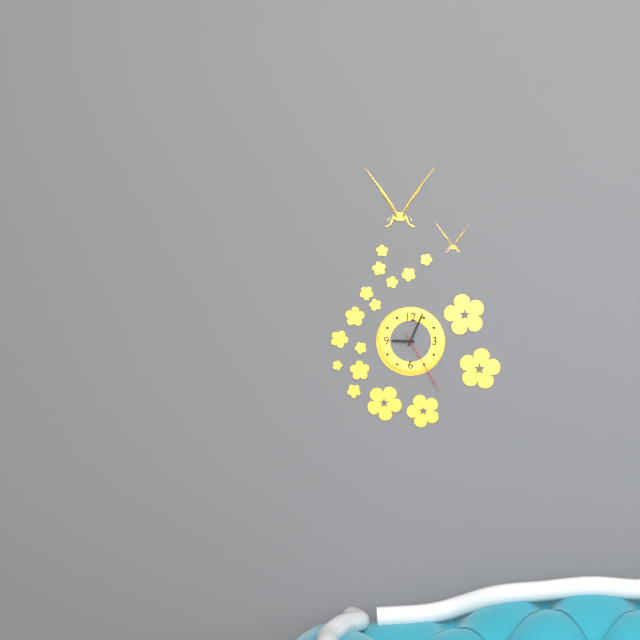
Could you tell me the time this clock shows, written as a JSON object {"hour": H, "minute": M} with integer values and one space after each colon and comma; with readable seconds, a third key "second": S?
{"hour": 9, "minute": 4, "second": 25}
